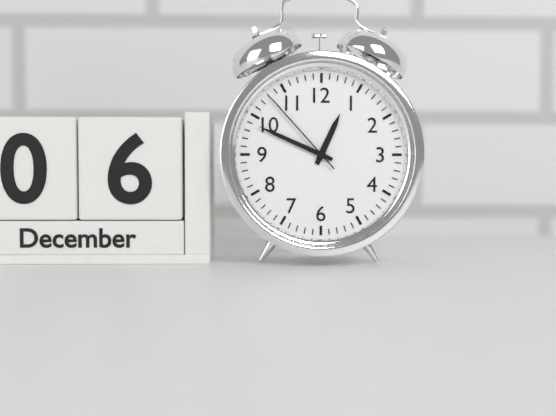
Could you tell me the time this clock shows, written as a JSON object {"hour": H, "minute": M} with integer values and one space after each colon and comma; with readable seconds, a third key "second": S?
{"hour": 12, "minute": 49, "second": 53}
